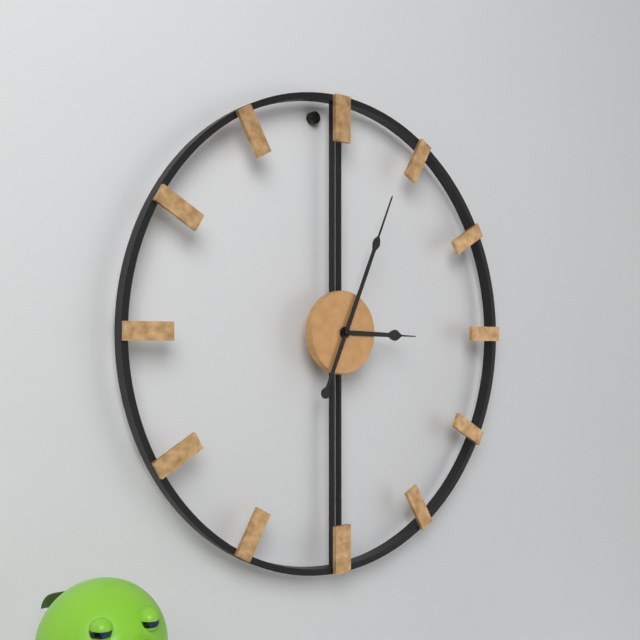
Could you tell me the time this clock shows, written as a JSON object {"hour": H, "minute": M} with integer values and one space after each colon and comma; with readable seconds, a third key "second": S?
{"hour": 3, "minute": 4}
